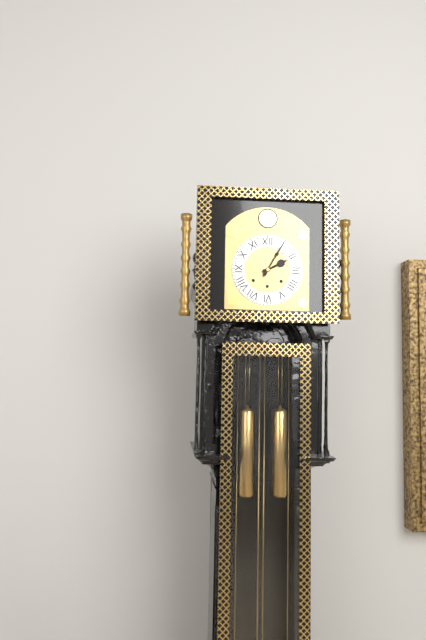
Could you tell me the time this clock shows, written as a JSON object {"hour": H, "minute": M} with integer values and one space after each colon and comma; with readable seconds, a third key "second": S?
{"hour": 2, "minute": 5}
